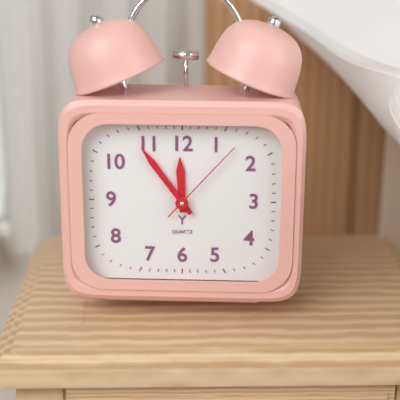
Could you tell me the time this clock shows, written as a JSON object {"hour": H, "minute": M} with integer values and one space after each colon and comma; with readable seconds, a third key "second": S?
{"hour": 11, "minute": 54, "second": 7}
